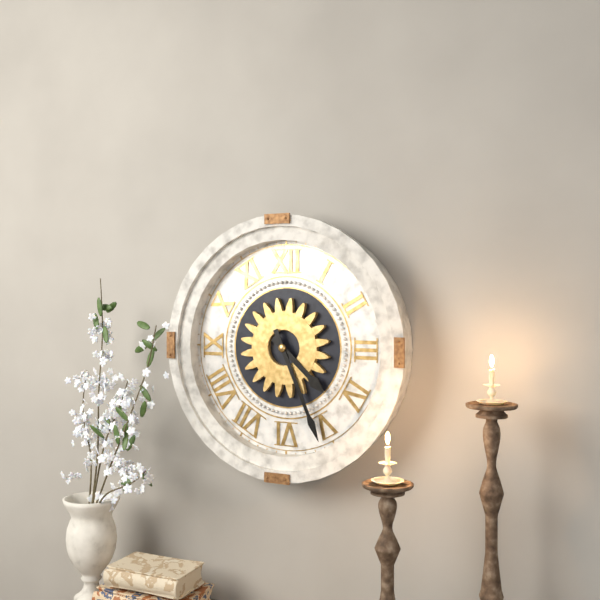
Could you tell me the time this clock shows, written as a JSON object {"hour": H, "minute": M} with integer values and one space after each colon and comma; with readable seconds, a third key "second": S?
{"hour": 4, "minute": 26}
